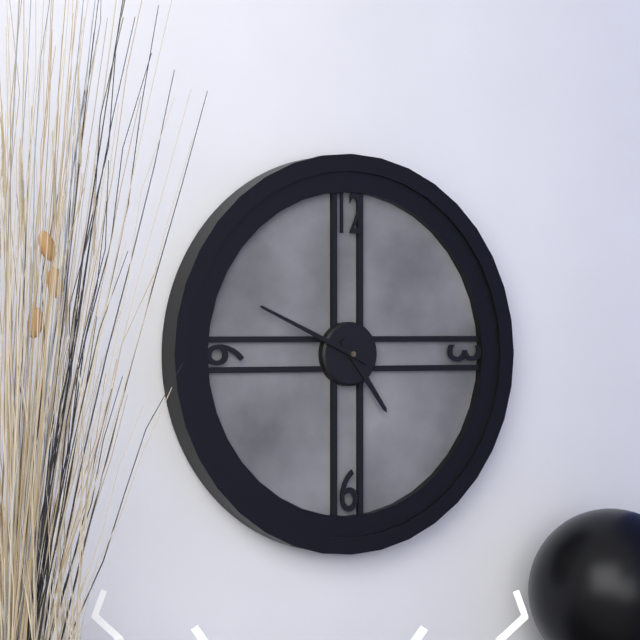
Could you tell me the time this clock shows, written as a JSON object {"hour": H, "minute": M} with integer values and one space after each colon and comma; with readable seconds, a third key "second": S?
{"hour": 4, "minute": 49}
